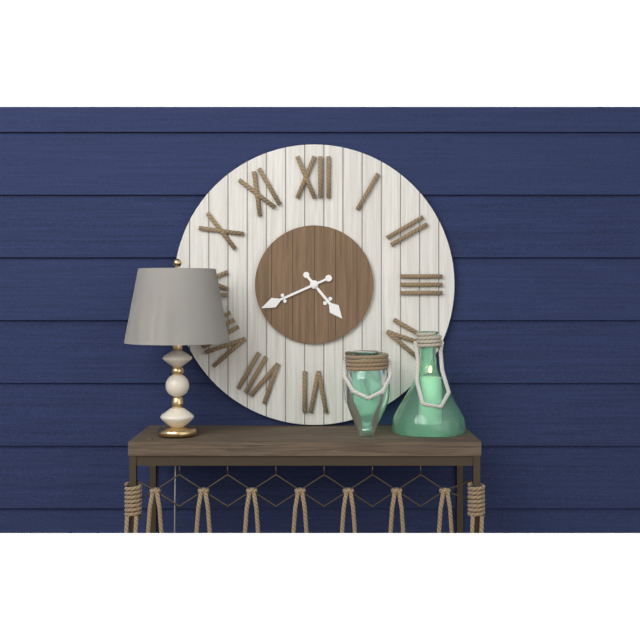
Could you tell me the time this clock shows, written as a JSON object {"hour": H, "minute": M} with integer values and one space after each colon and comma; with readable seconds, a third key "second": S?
{"hour": 4, "minute": 41}
